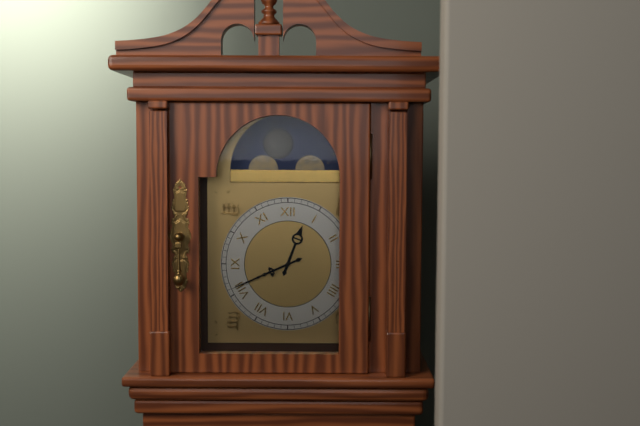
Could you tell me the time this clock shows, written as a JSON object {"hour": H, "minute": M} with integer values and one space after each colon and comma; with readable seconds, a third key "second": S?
{"hour": 12, "minute": 41}
